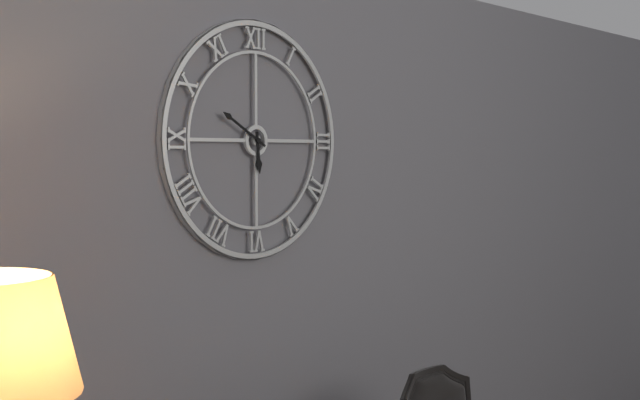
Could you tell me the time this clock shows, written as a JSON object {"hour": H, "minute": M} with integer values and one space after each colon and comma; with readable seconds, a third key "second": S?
{"hour": 5, "minute": 50}
